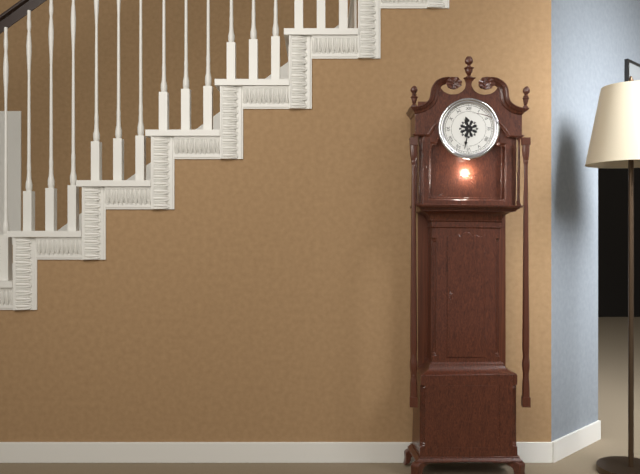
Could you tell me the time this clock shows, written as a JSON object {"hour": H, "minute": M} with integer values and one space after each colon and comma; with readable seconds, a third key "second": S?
{"hour": 11, "minute": 32}
